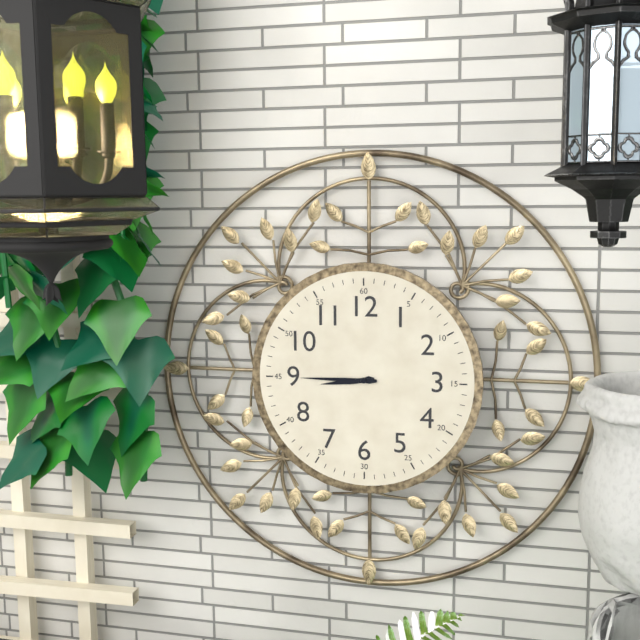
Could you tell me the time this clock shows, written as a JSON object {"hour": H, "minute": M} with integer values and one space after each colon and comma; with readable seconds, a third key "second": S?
{"hour": 8, "minute": 45}
